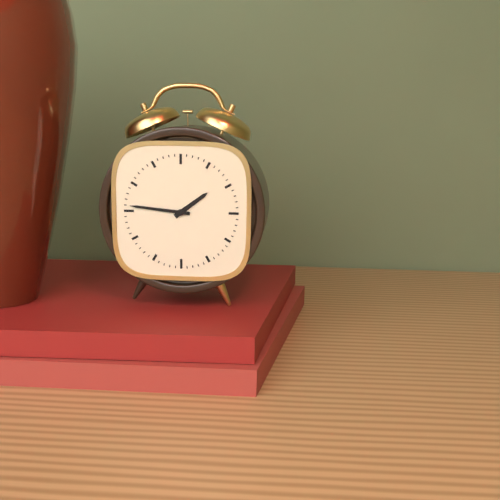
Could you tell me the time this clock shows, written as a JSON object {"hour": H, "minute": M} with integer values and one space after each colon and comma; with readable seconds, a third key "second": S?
{"hour": 1, "minute": 46}
